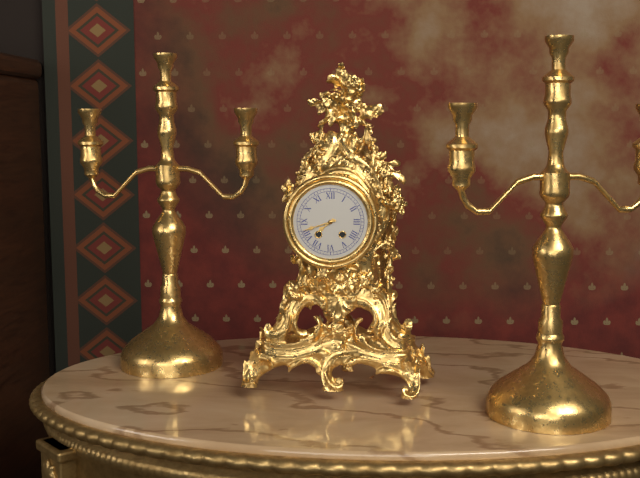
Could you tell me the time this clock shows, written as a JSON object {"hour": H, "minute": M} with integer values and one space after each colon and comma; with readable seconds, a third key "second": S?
{"hour": 7, "minute": 42}
